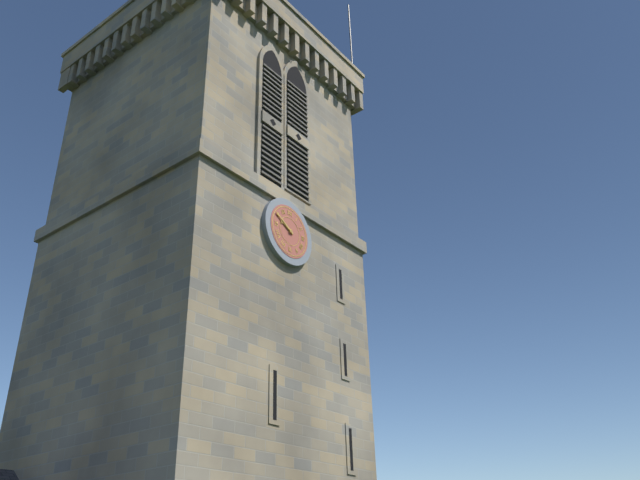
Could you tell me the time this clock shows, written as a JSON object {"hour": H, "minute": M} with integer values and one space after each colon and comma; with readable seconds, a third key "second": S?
{"hour": 9, "minute": 50}
